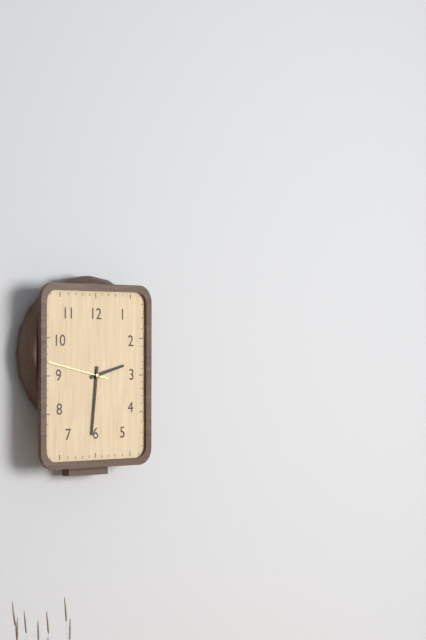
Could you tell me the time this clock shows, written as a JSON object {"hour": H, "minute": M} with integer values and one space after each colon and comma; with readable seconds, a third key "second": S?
{"hour": 2, "minute": 31, "second": 47}
